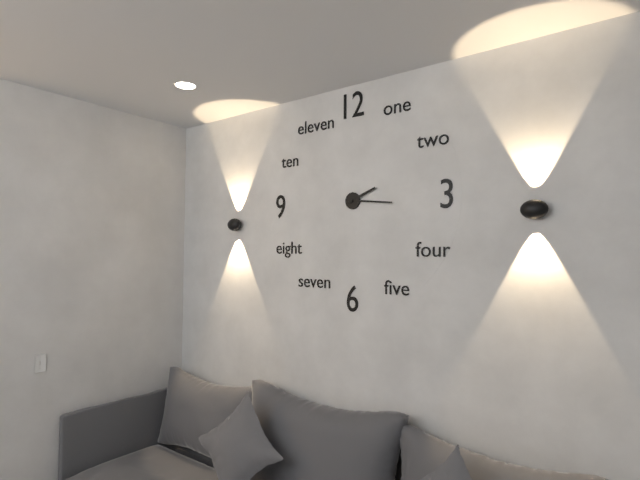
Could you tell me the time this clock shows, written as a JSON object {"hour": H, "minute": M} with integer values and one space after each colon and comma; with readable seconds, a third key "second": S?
{"hour": 2, "minute": 16}
